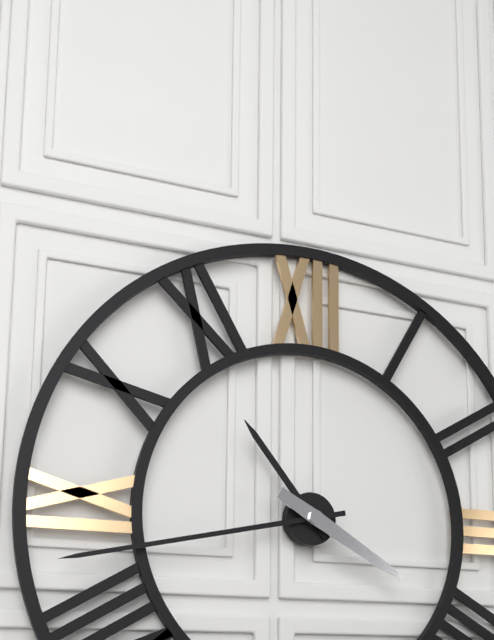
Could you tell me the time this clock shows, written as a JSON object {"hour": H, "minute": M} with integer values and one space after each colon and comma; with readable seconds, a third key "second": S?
{"hour": 10, "minute": 43, "second": 20}
